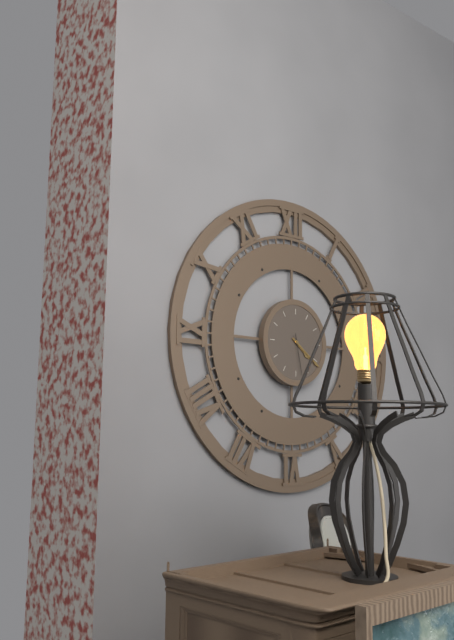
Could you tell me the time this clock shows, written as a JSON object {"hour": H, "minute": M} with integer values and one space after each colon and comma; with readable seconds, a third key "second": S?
{"hour": 4, "minute": 21}
